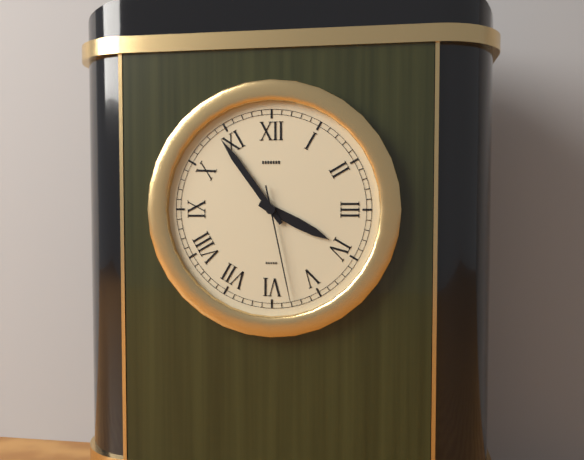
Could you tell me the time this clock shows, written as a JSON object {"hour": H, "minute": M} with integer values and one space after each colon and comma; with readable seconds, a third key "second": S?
{"hour": 3, "minute": 54, "second": 28}
